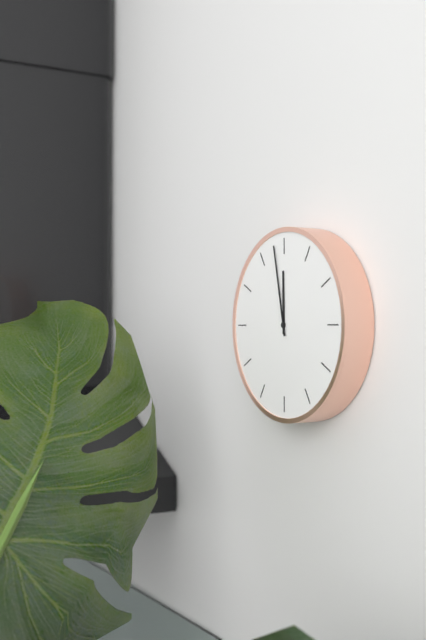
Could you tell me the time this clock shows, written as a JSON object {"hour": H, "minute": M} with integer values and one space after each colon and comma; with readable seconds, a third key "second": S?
{"hour": 11, "minute": 58}
